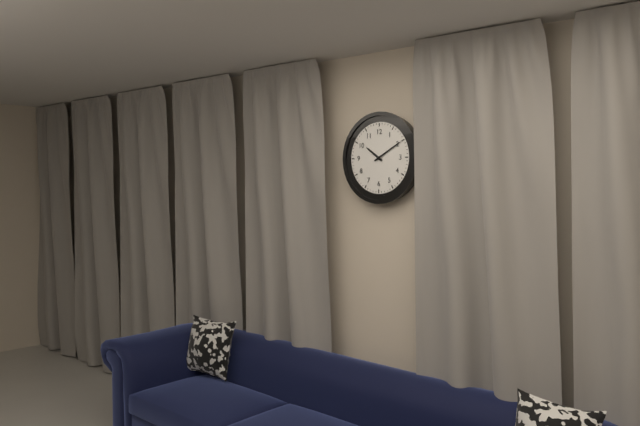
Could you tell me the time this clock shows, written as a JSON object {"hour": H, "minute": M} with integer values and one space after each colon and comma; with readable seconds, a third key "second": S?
{"hour": 10, "minute": 10}
